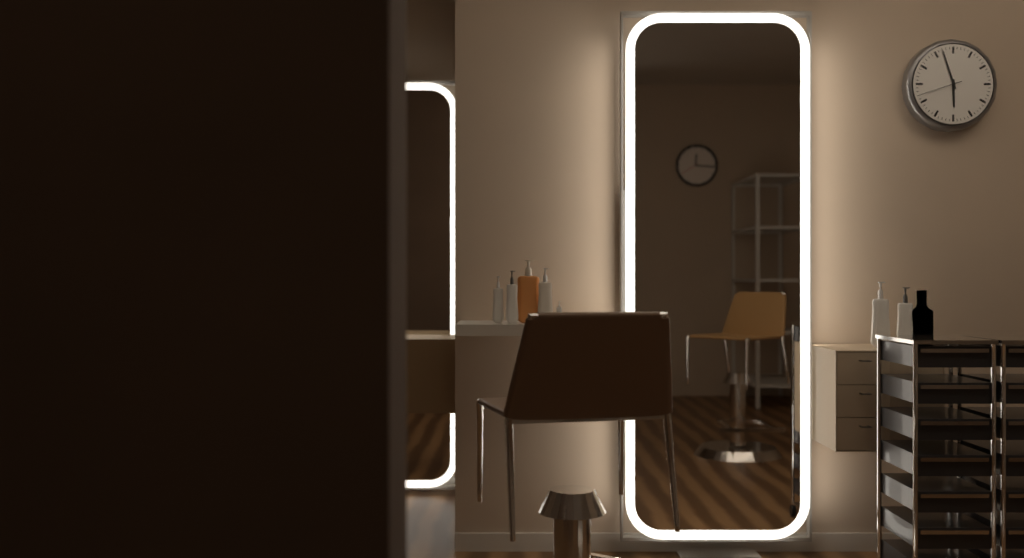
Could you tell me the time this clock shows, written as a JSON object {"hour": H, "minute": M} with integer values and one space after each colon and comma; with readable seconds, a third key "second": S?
{"hour": 5, "minute": 57}
